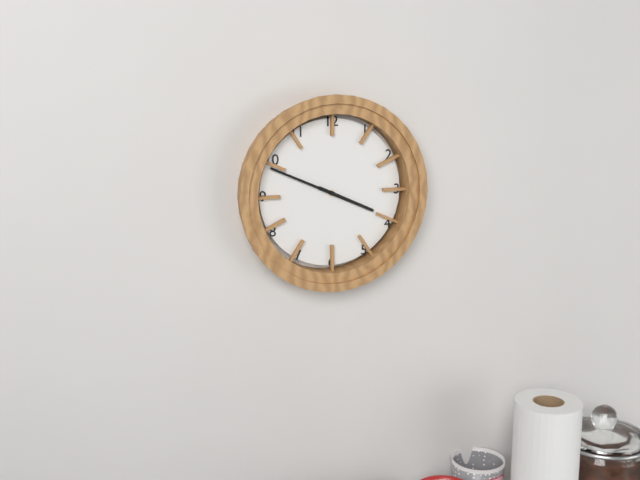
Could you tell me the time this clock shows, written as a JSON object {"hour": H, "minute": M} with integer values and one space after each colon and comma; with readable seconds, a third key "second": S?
{"hour": 3, "minute": 49}
